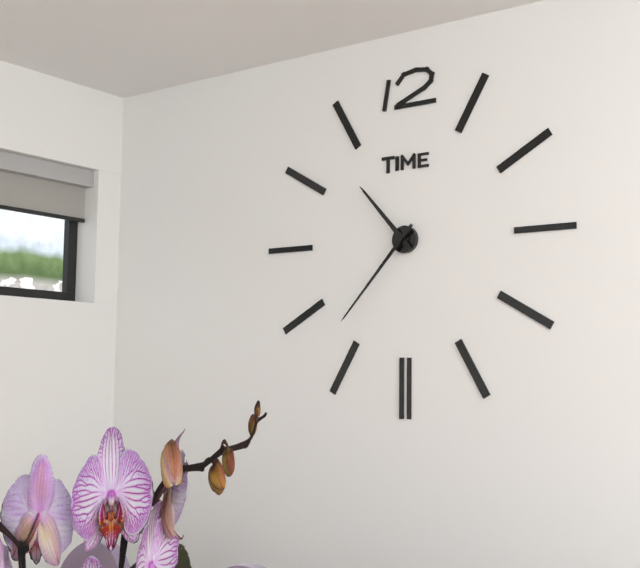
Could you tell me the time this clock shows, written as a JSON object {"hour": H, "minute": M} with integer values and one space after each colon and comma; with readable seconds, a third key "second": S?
{"hour": 10, "minute": 37}
